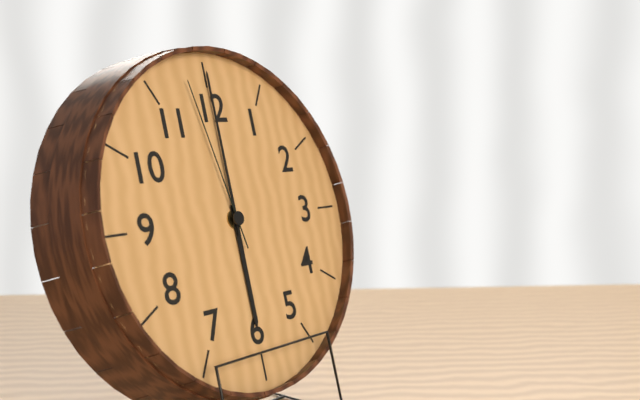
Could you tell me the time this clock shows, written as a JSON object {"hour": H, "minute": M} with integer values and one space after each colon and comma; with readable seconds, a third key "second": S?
{"hour": 6, "minute": 0, "second": 58}
